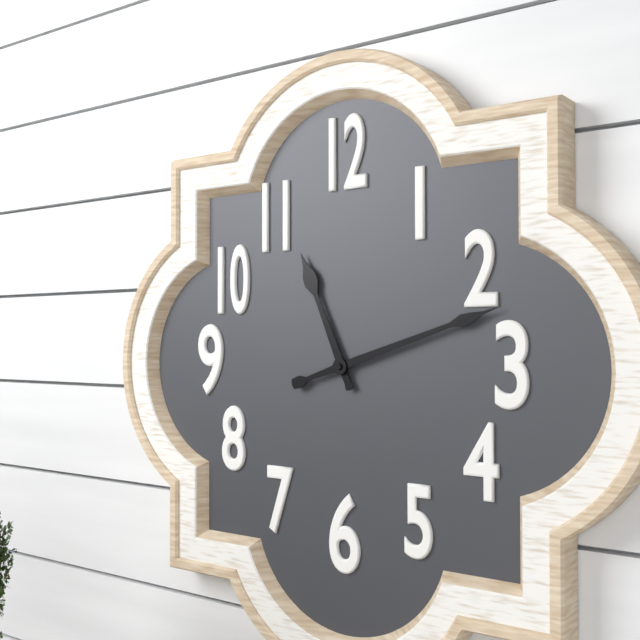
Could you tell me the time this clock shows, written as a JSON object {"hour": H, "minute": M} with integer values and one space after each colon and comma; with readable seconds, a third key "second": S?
{"hour": 11, "minute": 12}
